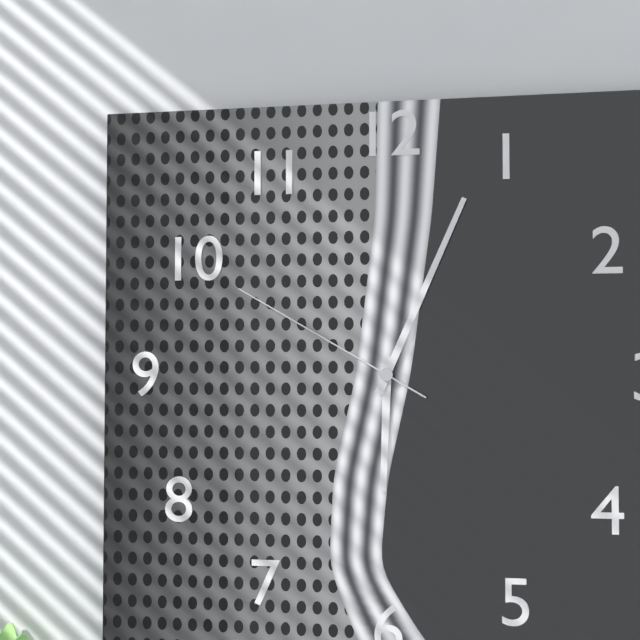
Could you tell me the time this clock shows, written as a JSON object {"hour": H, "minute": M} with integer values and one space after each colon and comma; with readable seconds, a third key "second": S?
{"hour": 6, "minute": 4, "second": 50}
